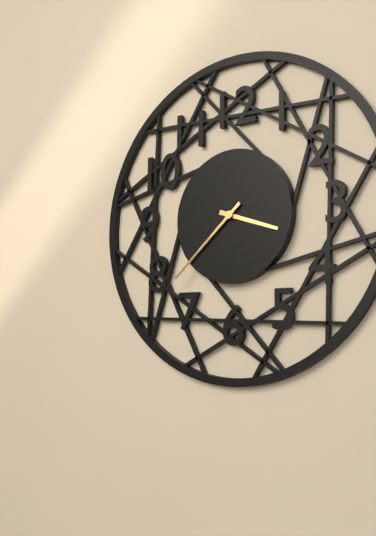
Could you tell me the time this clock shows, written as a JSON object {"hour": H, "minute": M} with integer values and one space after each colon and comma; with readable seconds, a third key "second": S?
{"hour": 3, "minute": 38}
